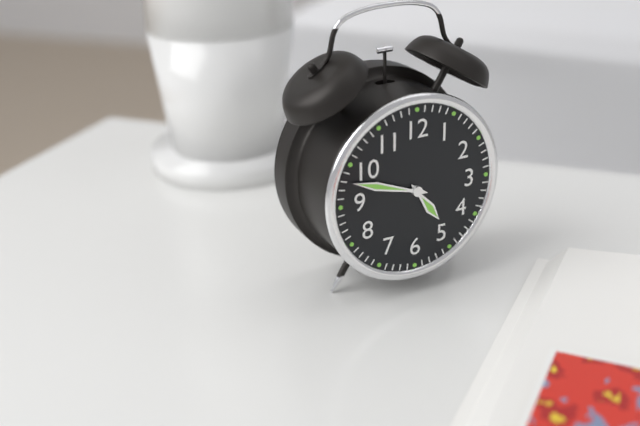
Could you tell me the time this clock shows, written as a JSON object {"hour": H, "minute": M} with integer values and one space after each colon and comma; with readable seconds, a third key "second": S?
{"hour": 4, "minute": 48}
